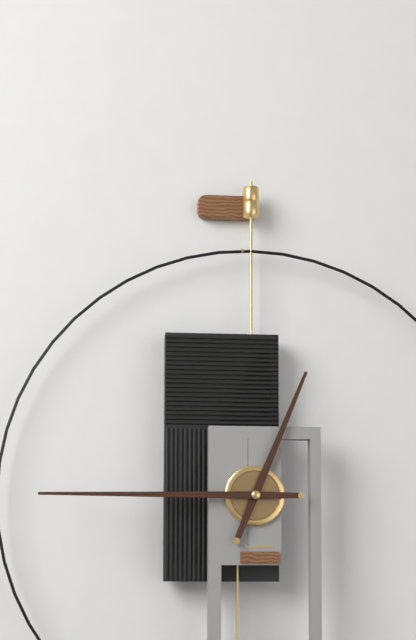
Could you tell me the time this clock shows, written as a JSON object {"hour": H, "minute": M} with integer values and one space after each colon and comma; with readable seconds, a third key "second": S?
{"hour": 12, "minute": 45}
